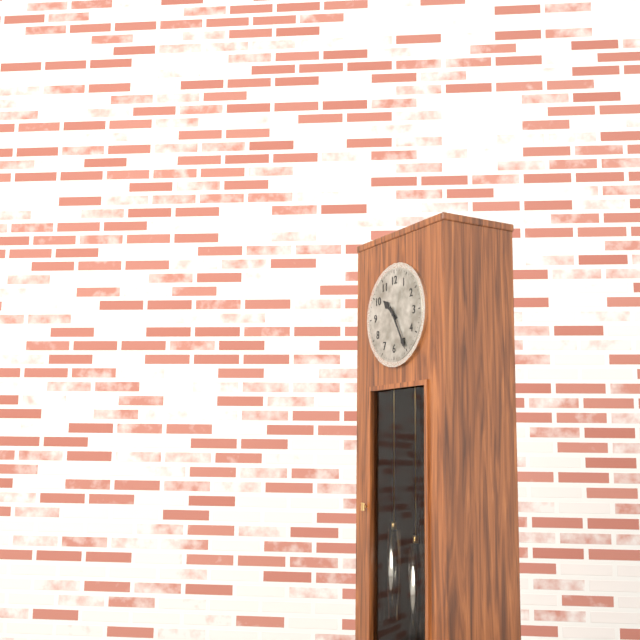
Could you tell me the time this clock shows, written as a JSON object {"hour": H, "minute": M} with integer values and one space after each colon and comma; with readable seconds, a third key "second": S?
{"hour": 10, "minute": 25}
